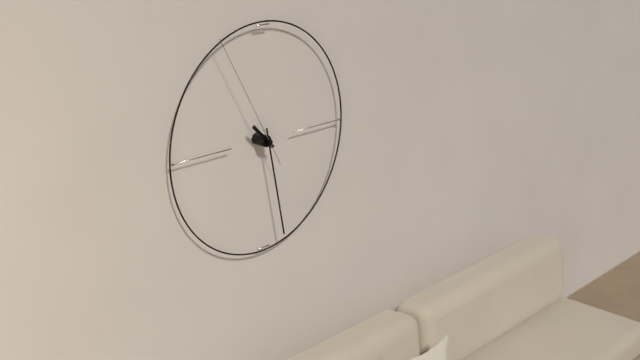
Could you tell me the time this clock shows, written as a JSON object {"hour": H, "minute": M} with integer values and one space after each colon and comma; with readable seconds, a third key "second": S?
{"hour": 10, "minute": 28, "second": 55}
